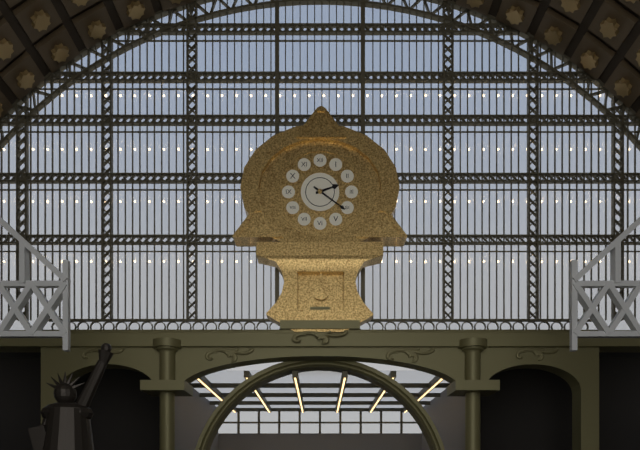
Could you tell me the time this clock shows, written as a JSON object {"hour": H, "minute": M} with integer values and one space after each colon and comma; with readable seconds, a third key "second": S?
{"hour": 2, "minute": 21}
